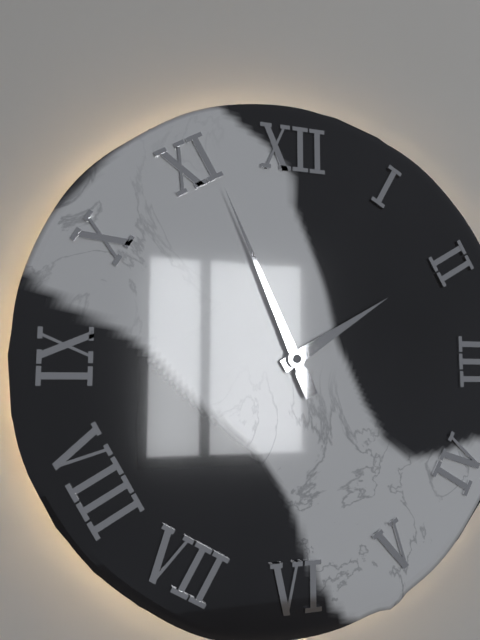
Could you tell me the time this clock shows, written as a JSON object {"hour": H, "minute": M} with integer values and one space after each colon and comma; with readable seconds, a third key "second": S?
{"hour": 1, "minute": 56}
